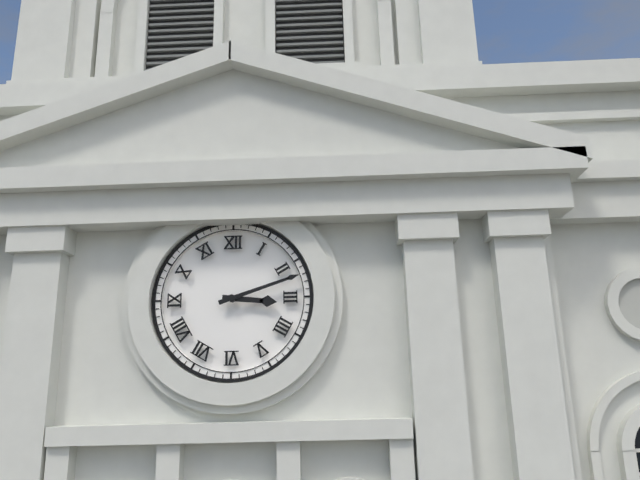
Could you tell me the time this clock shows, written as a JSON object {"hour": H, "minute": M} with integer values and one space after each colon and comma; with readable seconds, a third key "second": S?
{"hour": 3, "minute": 12}
